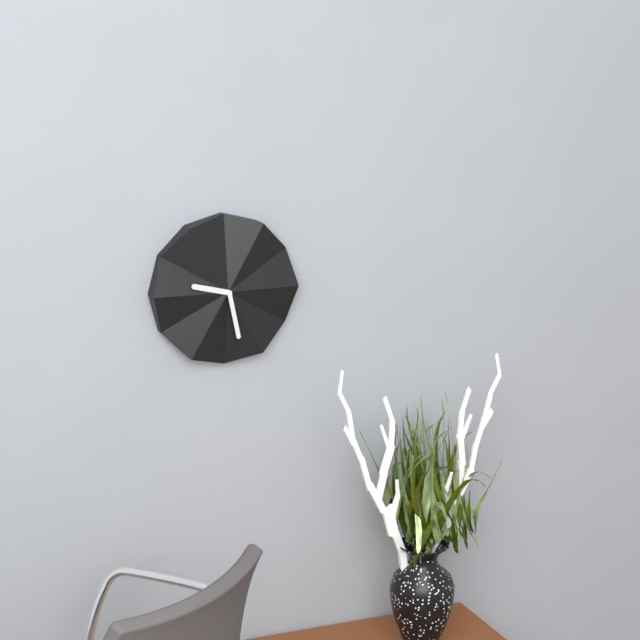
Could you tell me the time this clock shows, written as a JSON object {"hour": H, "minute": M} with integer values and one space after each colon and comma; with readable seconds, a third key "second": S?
{"hour": 9, "minute": 28}
